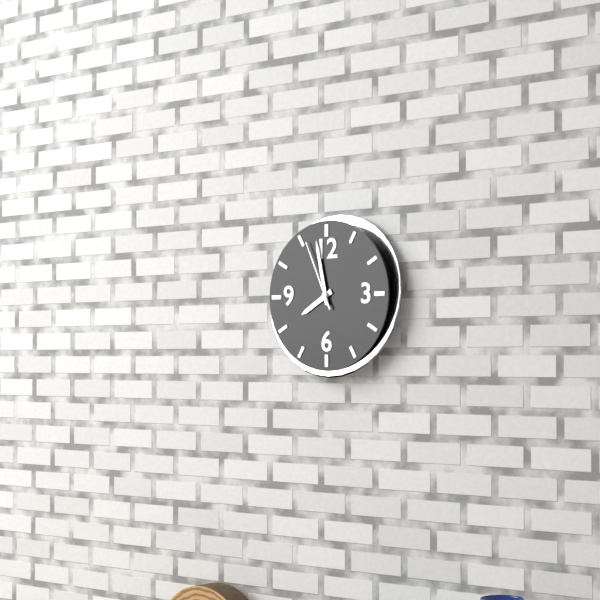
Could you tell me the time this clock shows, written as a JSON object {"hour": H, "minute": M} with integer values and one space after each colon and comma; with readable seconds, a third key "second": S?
{"hour": 7, "minute": 58, "second": 56}
